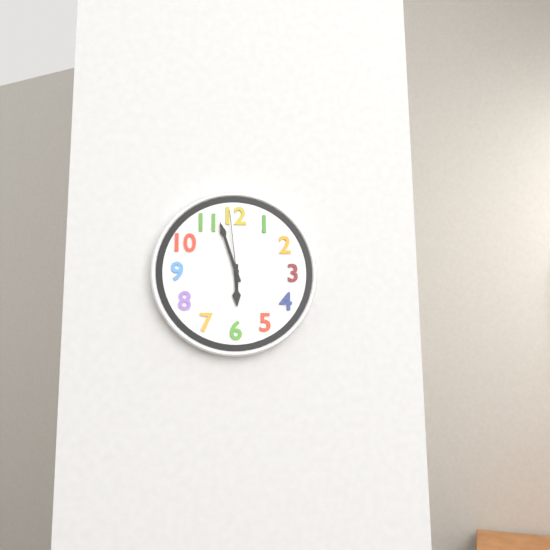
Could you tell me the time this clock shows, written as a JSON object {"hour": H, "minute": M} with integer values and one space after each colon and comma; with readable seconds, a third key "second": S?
{"hour": 5, "minute": 57, "second": 59}
